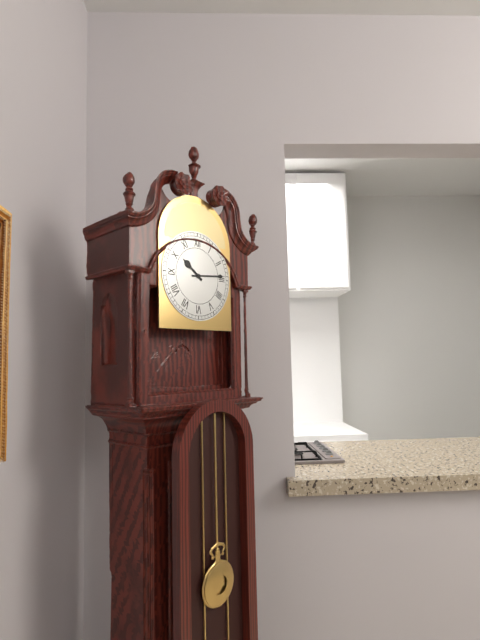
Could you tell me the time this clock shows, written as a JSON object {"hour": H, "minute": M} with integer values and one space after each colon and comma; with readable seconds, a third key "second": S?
{"hour": 10, "minute": 14}
